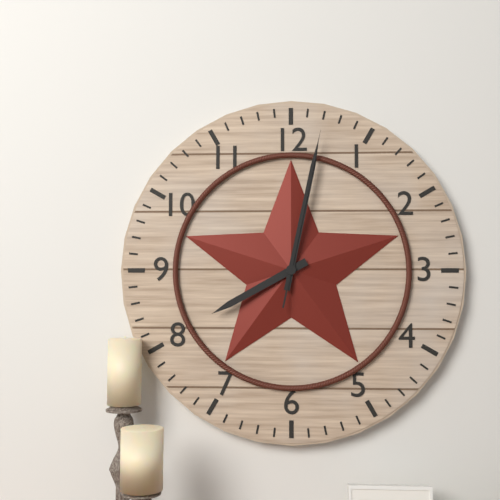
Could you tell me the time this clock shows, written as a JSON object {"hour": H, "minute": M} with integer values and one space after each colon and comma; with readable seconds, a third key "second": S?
{"hour": 8, "minute": 2, "second": 2}
